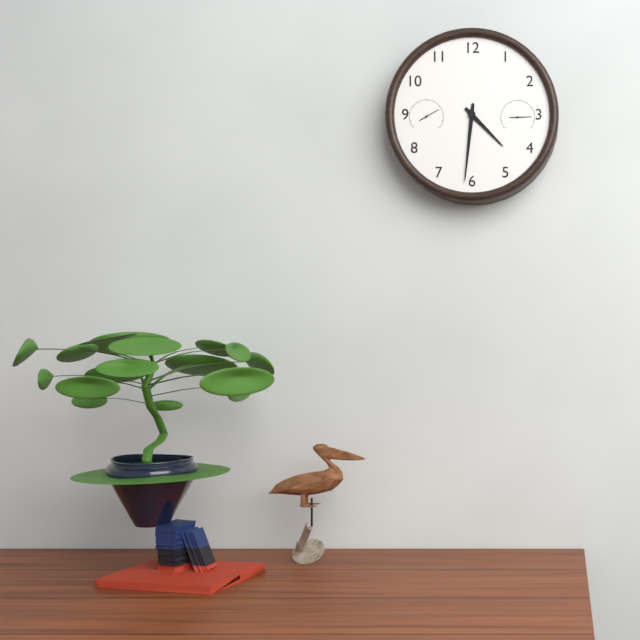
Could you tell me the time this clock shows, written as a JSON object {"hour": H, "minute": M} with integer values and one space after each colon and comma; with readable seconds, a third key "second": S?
{"hour": 4, "minute": 31}
